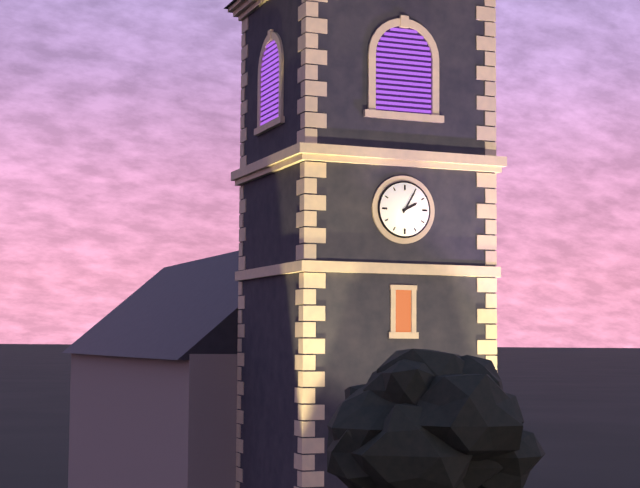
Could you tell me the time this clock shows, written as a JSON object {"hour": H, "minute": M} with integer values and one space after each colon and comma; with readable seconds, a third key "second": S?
{"hour": 2, "minute": 5}
